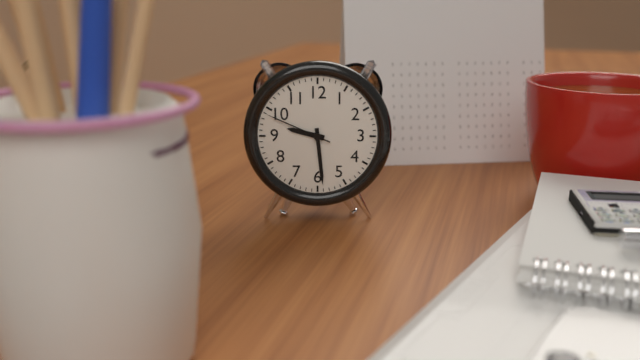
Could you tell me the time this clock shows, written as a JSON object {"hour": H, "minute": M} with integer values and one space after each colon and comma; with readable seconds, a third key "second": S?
{"hour": 9, "minute": 29, "second": 49}
